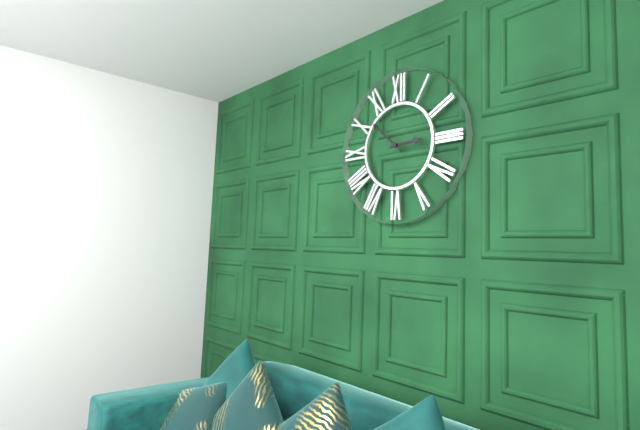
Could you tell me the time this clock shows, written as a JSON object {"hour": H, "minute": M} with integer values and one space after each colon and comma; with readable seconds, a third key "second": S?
{"hour": 2, "minute": 52}
